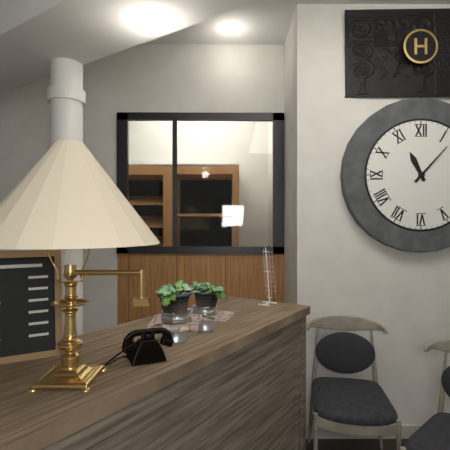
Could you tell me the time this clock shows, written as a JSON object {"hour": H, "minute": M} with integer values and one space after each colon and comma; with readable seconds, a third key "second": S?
{"hour": 11, "minute": 7}
